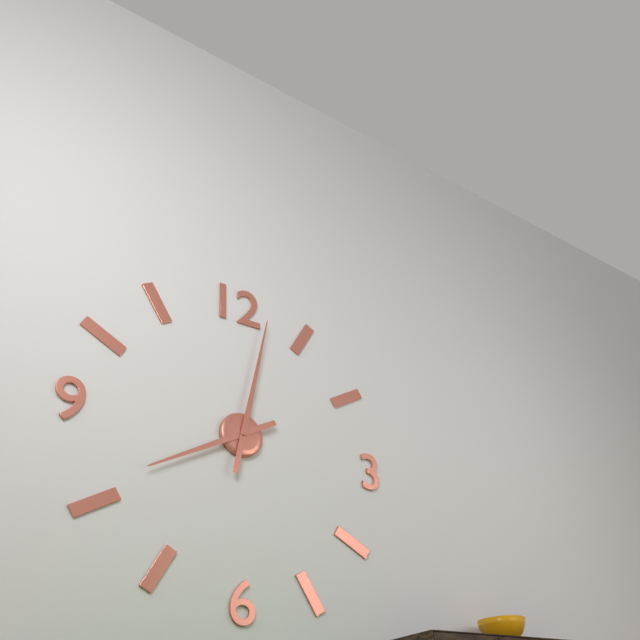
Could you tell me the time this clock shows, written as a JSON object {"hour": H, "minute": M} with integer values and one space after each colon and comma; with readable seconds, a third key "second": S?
{"hour": 8, "minute": 2}
